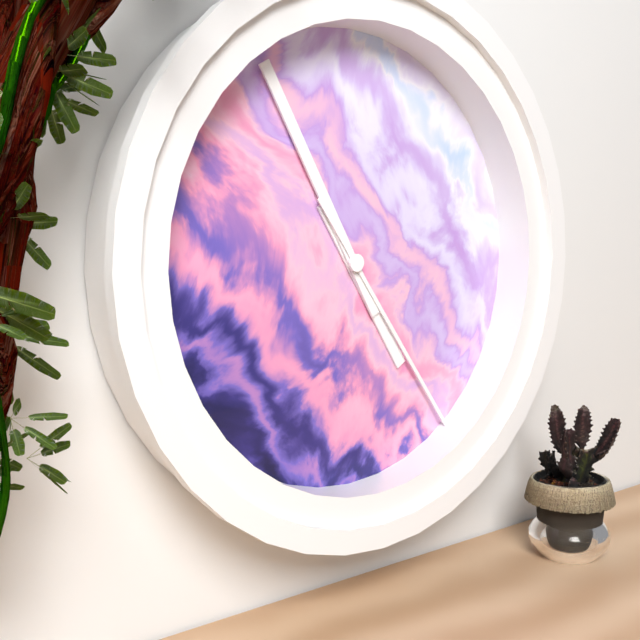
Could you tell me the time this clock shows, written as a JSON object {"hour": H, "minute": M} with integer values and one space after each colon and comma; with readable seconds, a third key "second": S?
{"hour": 4, "minute": 55, "second": 24}
